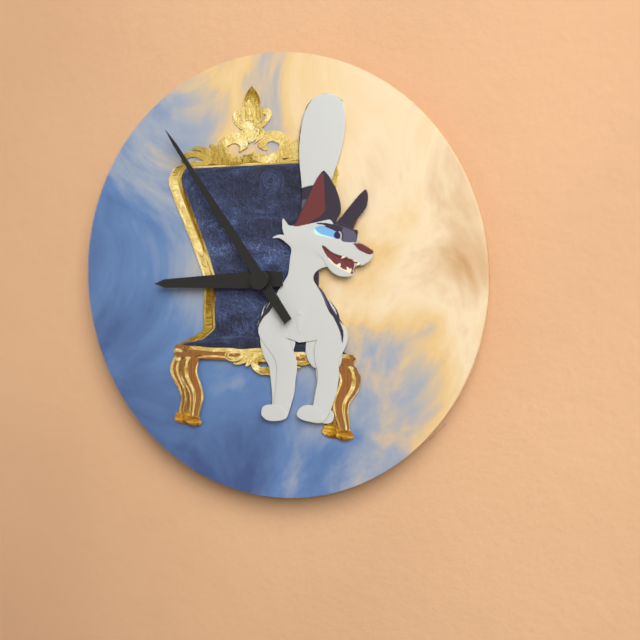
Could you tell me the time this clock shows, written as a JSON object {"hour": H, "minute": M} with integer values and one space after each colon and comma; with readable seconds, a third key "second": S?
{"hour": 8, "minute": 54}
